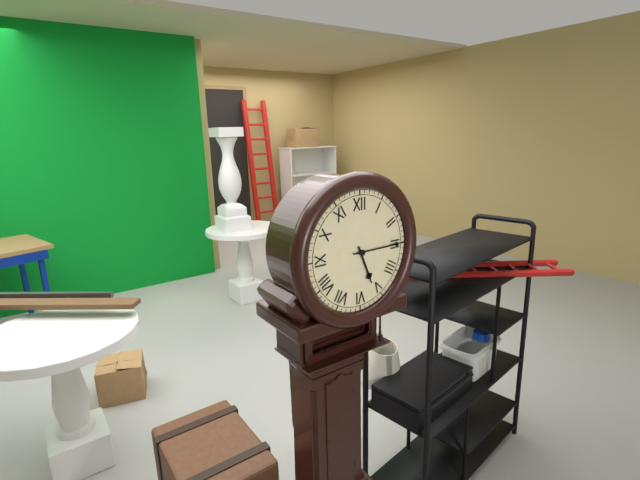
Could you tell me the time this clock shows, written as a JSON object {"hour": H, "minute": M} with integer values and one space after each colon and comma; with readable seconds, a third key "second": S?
{"hour": 5, "minute": 15}
